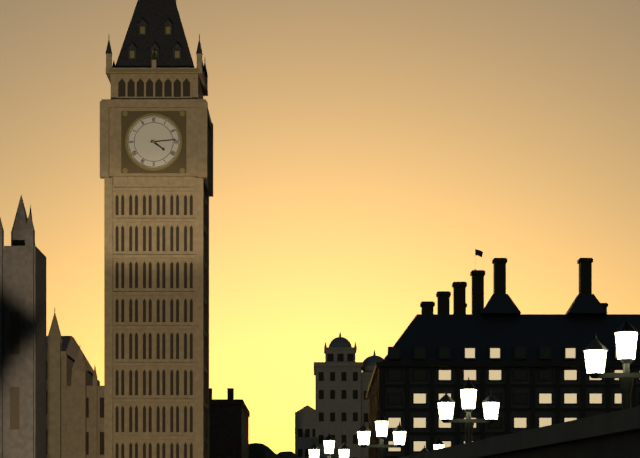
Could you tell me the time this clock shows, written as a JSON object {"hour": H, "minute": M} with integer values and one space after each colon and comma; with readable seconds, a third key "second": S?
{"hour": 4, "minute": 14}
